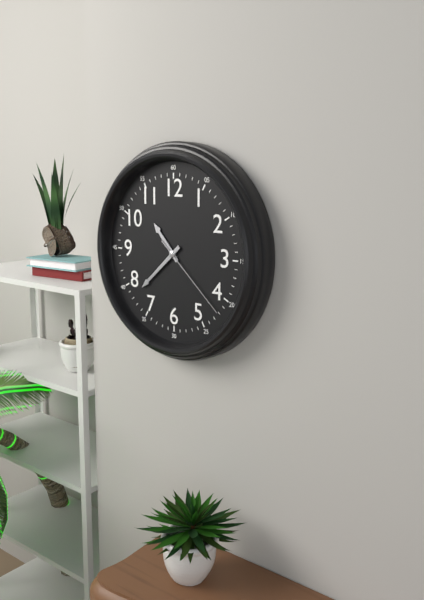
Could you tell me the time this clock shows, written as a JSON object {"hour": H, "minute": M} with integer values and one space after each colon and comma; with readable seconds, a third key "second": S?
{"hour": 10, "minute": 38, "second": 22}
